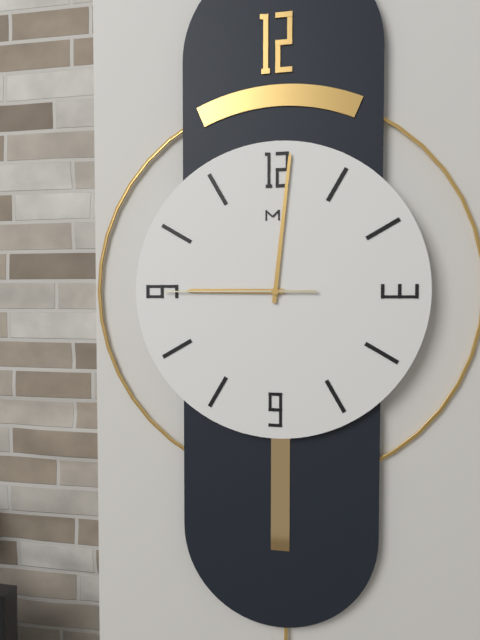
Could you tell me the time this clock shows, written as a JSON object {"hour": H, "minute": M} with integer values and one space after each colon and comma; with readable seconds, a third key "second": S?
{"hour": 9, "minute": 1, "second": 45}
